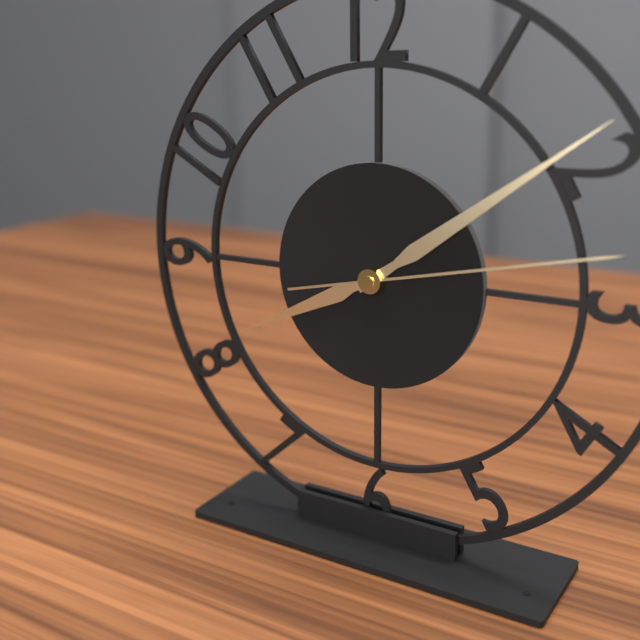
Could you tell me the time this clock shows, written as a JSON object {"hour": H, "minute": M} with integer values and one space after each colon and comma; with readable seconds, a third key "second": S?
{"hour": 8, "minute": 9, "second": 13}
